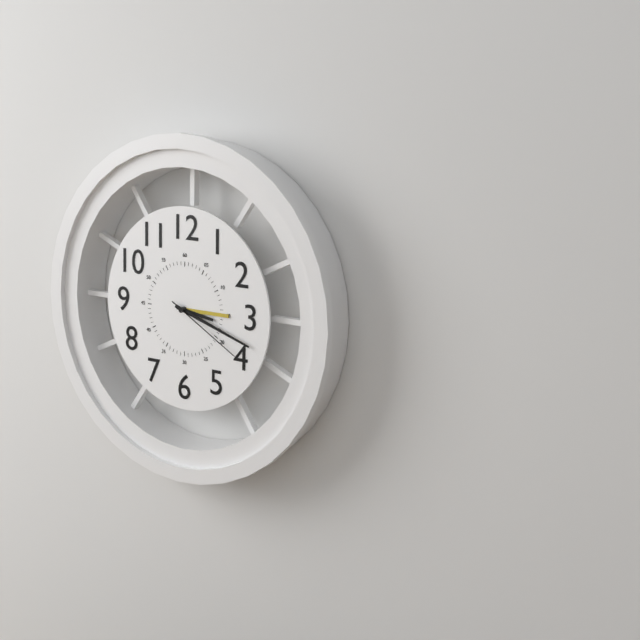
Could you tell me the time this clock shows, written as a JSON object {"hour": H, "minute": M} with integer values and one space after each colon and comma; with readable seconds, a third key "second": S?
{"hour": 3, "minute": 18, "second": 20}
